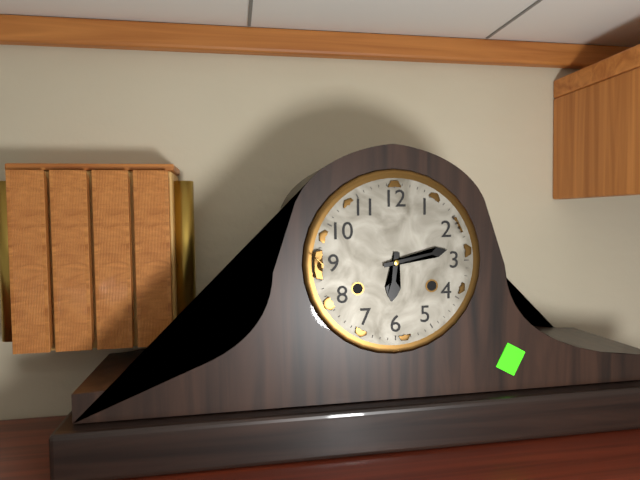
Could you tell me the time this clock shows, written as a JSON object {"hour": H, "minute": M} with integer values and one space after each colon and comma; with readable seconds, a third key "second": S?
{"hour": 6, "minute": 13}
